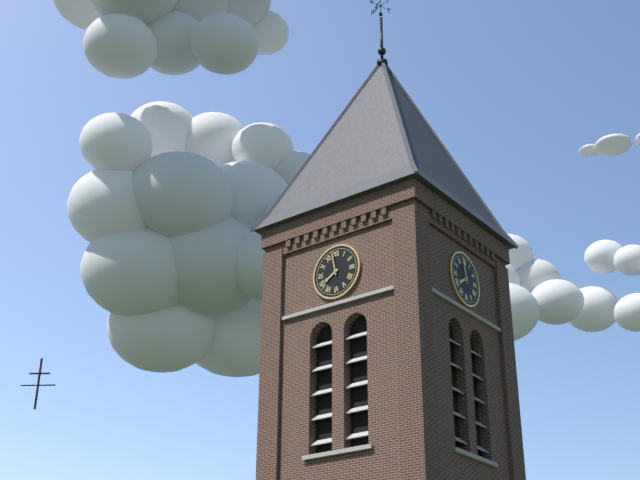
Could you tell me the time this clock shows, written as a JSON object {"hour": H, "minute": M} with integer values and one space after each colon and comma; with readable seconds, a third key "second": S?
{"hour": 7, "minute": 58}
